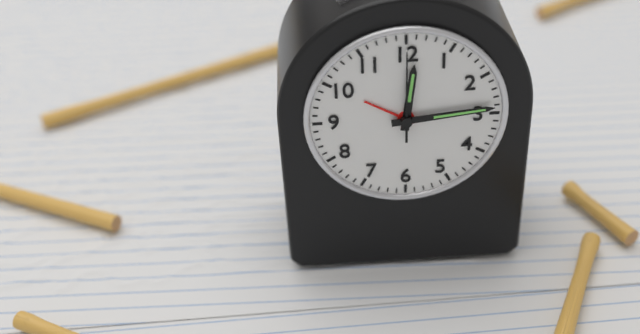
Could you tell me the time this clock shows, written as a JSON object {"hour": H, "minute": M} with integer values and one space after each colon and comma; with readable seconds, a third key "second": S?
{"hour": 12, "minute": 14, "second": 0}
